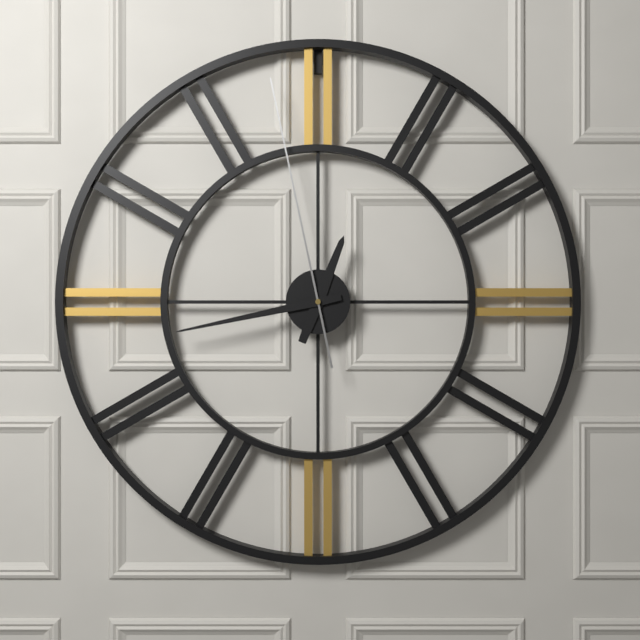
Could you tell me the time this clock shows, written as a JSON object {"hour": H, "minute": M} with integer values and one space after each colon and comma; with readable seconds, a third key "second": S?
{"hour": 12, "minute": 43, "second": 58}
